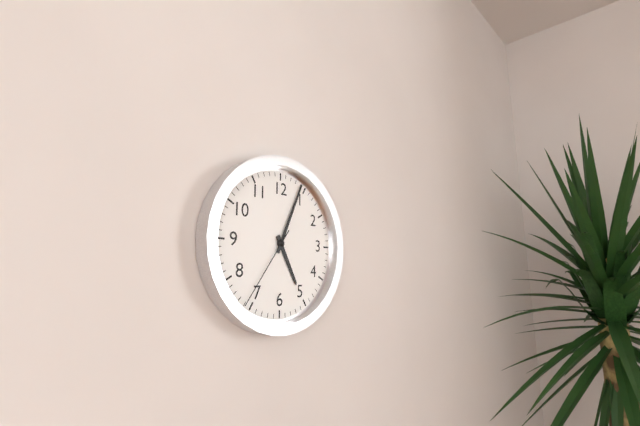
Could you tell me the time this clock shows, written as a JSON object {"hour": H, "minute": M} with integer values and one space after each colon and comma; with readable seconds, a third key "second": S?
{"hour": 5, "minute": 4, "second": 36}
